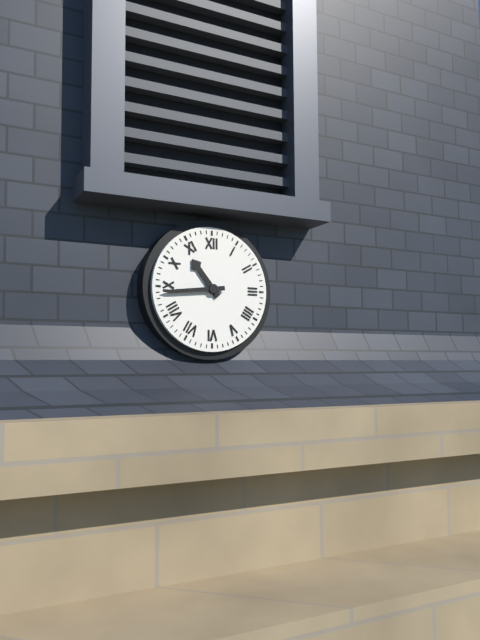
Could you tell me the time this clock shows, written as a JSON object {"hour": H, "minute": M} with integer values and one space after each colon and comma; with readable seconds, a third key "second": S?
{"hour": 10, "minute": 44}
